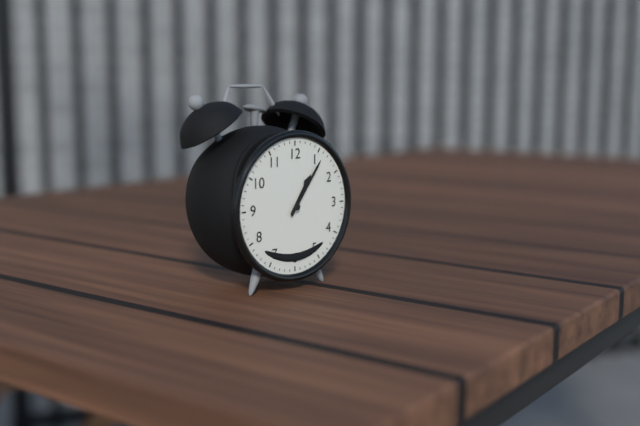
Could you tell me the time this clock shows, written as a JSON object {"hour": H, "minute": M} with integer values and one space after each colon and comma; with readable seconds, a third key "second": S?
{"hour": 1, "minute": 6}
